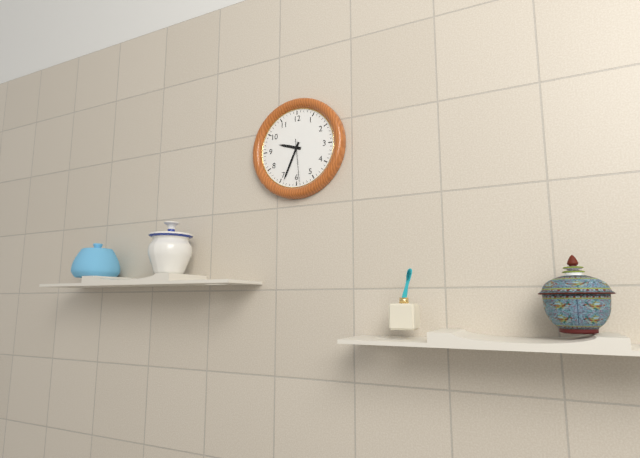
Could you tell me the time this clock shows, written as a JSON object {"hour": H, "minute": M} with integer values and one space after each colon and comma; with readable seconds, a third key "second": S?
{"hour": 9, "minute": 34}
